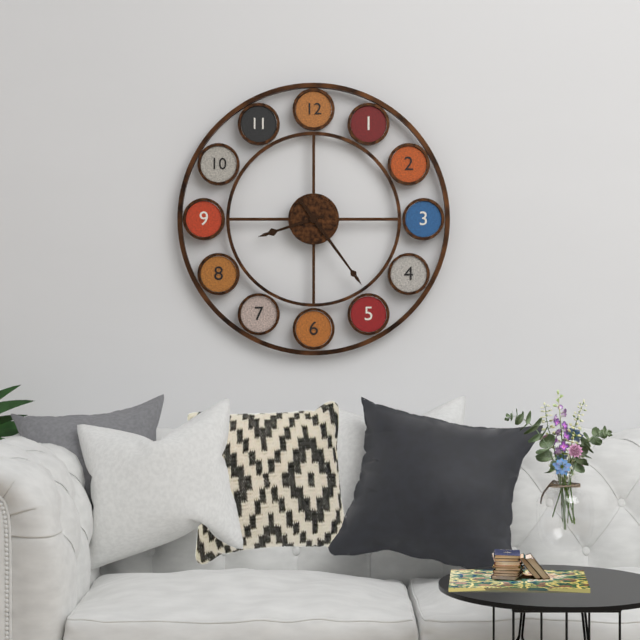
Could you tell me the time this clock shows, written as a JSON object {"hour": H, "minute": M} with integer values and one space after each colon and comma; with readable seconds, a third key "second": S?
{"hour": 8, "minute": 24}
